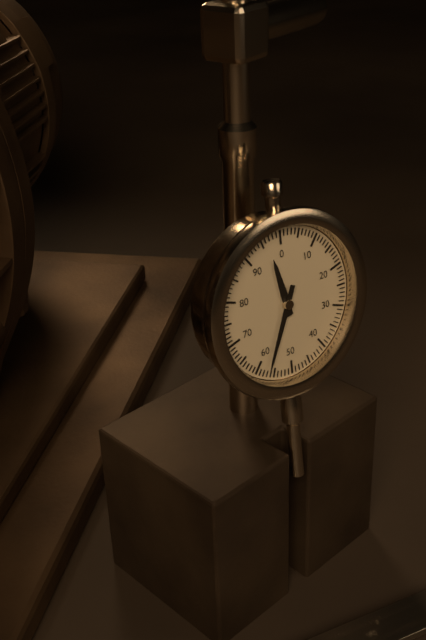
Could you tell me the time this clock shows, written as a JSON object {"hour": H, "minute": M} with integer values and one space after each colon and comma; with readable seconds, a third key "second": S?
{"hour": 11, "minute": 34}
